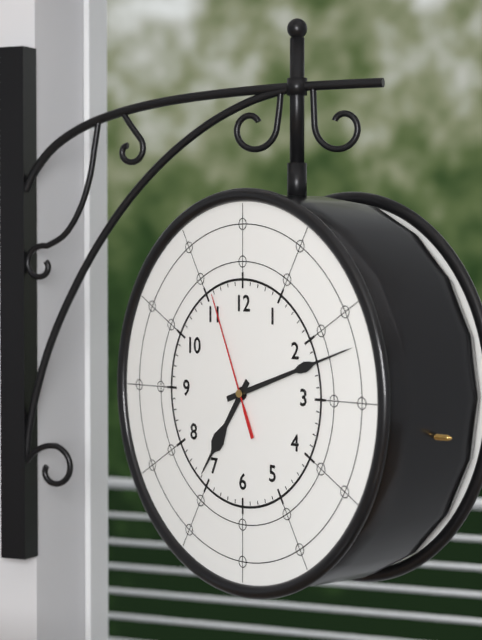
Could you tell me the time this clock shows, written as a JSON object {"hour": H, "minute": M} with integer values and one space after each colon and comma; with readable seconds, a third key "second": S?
{"hour": 7, "minute": 12, "second": 56}
